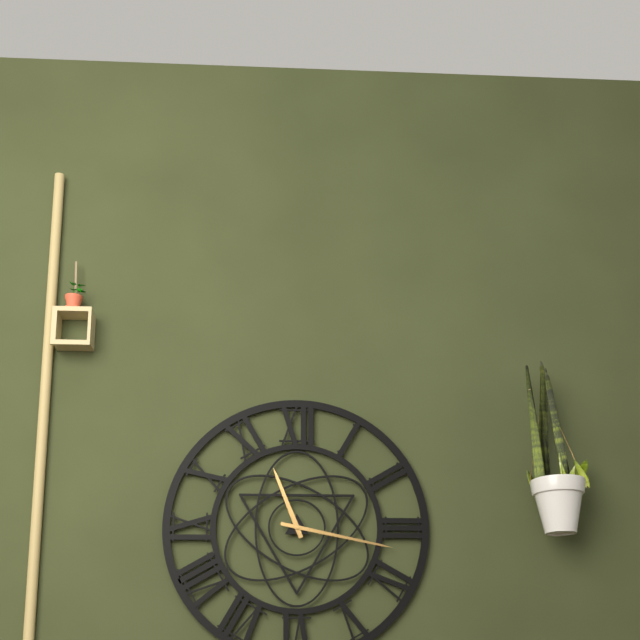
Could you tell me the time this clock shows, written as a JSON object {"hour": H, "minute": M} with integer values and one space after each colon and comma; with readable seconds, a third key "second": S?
{"hour": 11, "minute": 17}
